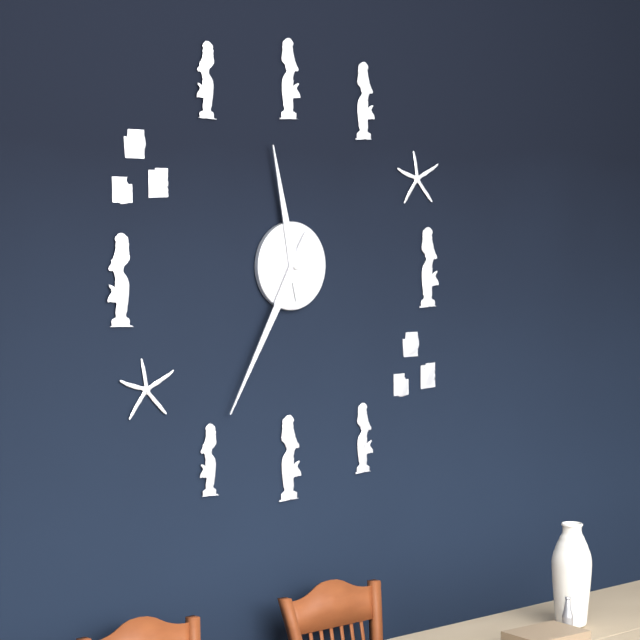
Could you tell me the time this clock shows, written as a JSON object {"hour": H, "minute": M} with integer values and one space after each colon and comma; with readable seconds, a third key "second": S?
{"hour": 11, "minute": 35}
